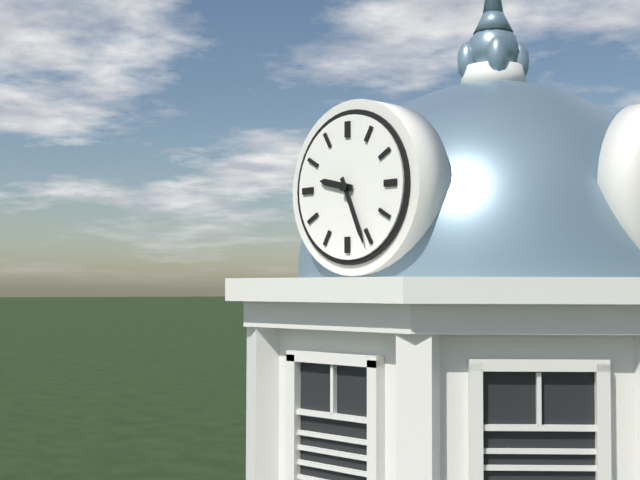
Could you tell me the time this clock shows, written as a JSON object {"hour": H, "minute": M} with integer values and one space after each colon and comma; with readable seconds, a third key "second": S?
{"hour": 9, "minute": 26}
